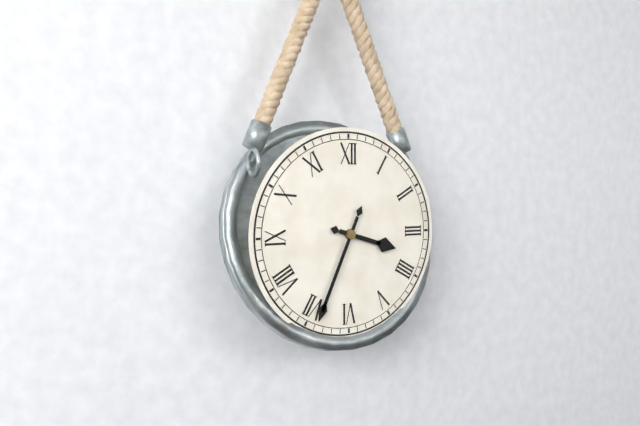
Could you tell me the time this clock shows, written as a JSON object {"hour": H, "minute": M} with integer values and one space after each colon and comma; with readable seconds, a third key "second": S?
{"hour": 3, "minute": 34}
